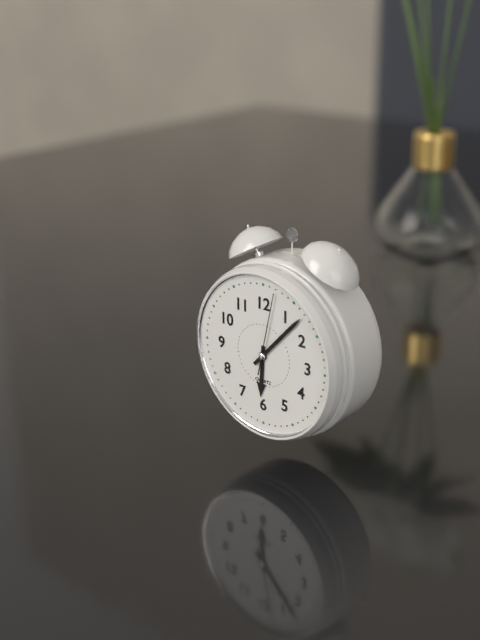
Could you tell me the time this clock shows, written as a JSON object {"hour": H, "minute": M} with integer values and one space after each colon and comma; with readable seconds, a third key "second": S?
{"hour": 6, "minute": 7, "second": 2}
